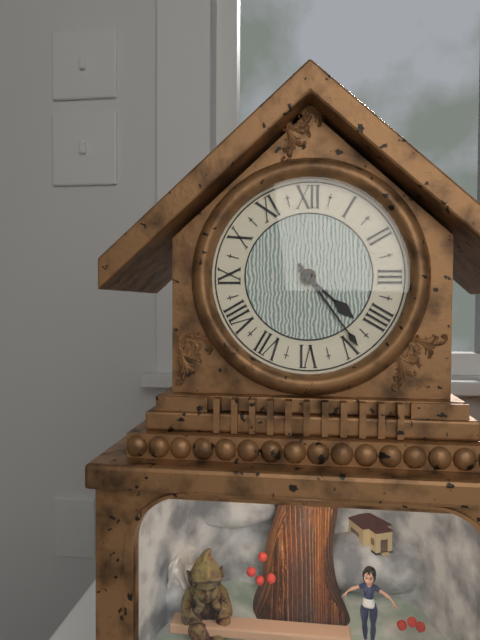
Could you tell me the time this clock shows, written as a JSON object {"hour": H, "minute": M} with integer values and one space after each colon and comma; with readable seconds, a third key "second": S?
{"hour": 4, "minute": 24}
